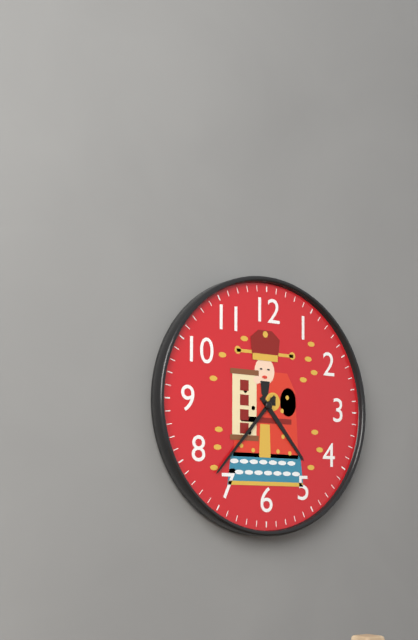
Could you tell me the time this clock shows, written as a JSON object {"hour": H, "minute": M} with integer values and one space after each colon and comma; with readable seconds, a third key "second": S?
{"hour": 4, "minute": 37}
